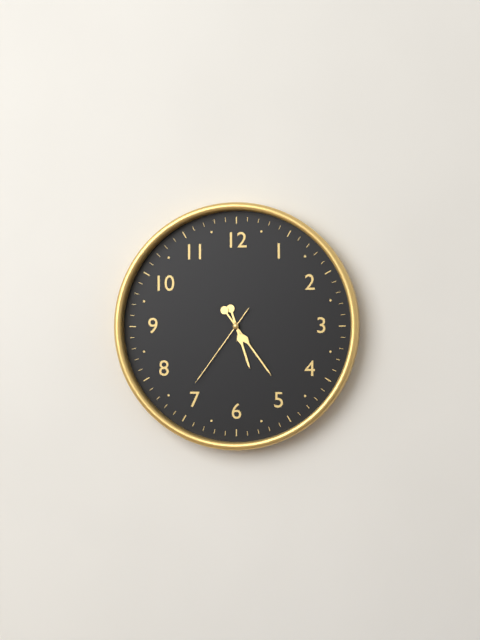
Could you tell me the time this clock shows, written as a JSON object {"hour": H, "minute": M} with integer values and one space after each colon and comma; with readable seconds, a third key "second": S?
{"hour": 5, "minute": 24, "second": 36}
